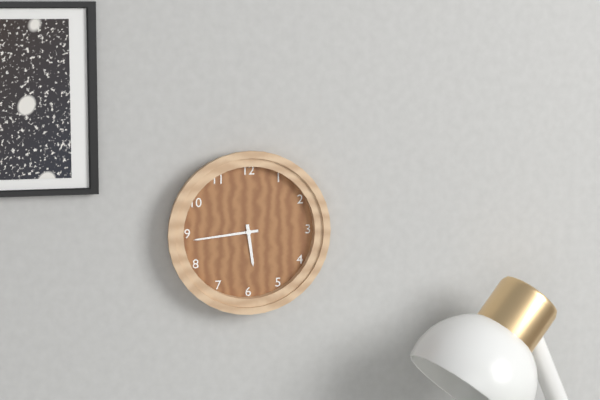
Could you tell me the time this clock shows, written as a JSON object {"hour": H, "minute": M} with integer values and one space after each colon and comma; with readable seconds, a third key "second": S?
{"hour": 5, "minute": 44}
